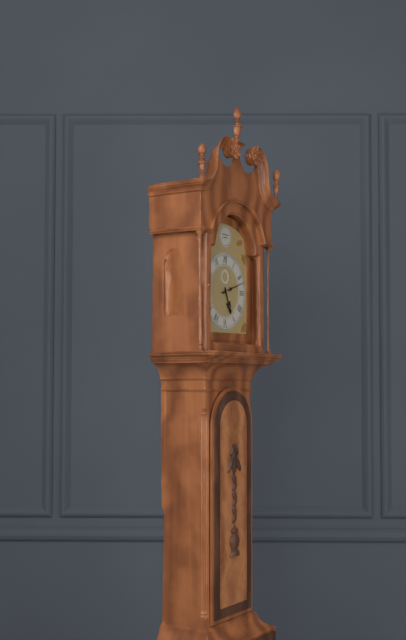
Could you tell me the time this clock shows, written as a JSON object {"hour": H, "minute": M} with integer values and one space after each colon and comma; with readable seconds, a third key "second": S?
{"hour": 5, "minute": 12}
